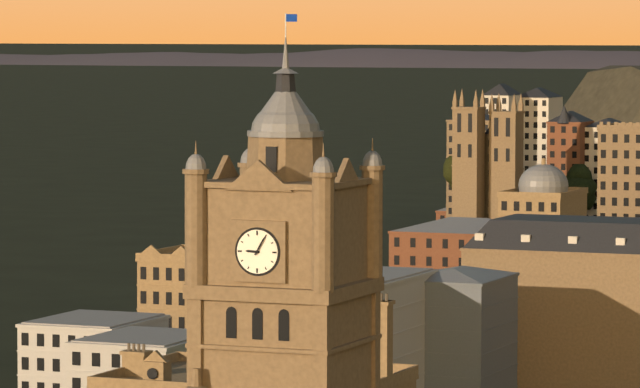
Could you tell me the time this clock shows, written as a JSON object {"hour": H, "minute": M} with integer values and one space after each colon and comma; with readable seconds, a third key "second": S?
{"hour": 9, "minute": 5}
